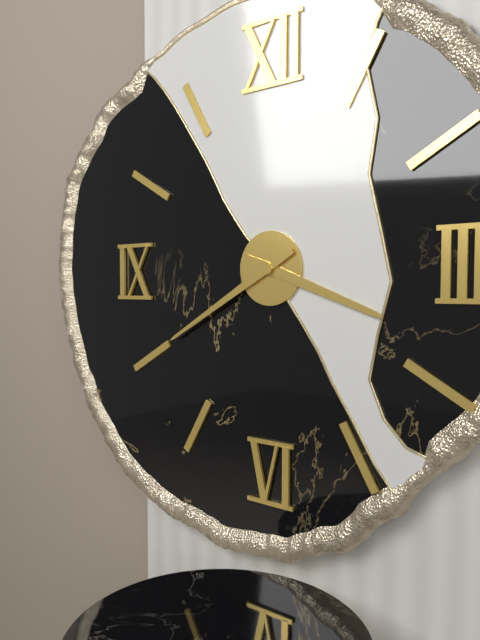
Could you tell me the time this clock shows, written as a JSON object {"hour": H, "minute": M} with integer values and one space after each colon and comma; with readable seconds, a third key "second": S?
{"hour": 3, "minute": 40}
